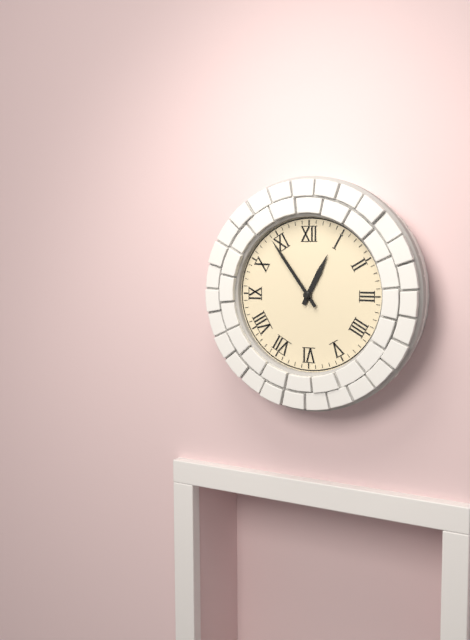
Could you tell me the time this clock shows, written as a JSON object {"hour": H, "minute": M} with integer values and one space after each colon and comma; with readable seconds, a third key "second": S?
{"hour": 12, "minute": 54}
